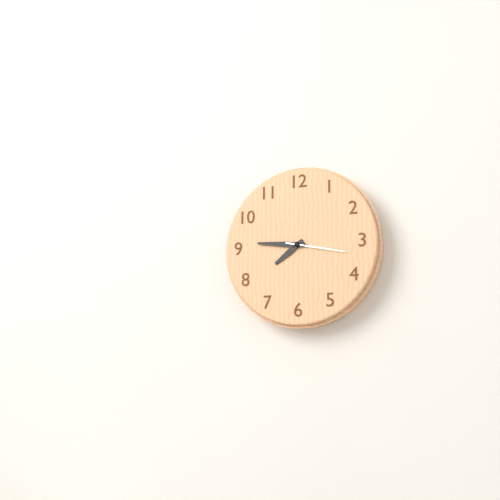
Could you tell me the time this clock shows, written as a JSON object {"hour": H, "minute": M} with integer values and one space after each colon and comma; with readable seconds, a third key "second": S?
{"hour": 7, "minute": 46, "second": 17}
